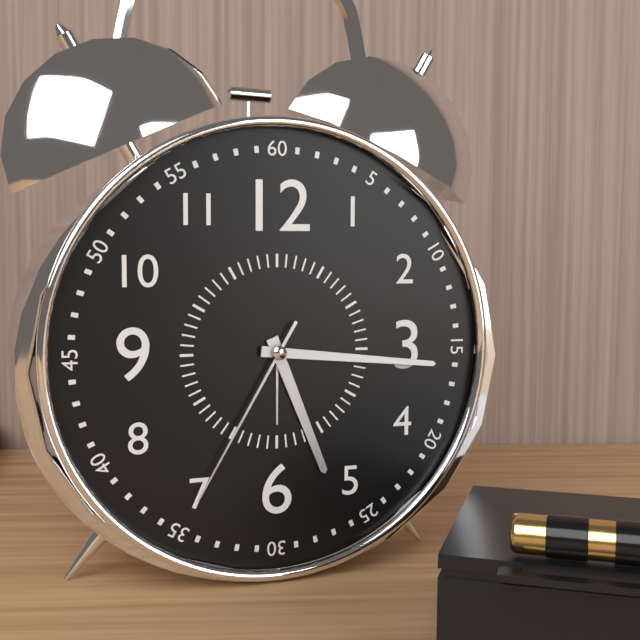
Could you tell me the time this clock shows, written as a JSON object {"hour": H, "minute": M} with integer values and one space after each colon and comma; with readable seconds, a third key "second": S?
{"hour": 5, "minute": 16, "second": 35}
